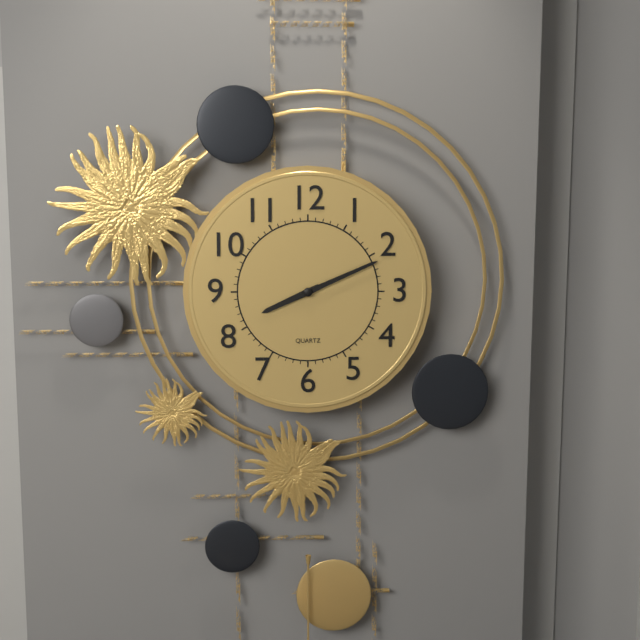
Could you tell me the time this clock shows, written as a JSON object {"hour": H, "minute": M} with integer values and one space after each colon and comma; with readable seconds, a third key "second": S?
{"hour": 8, "minute": 11}
